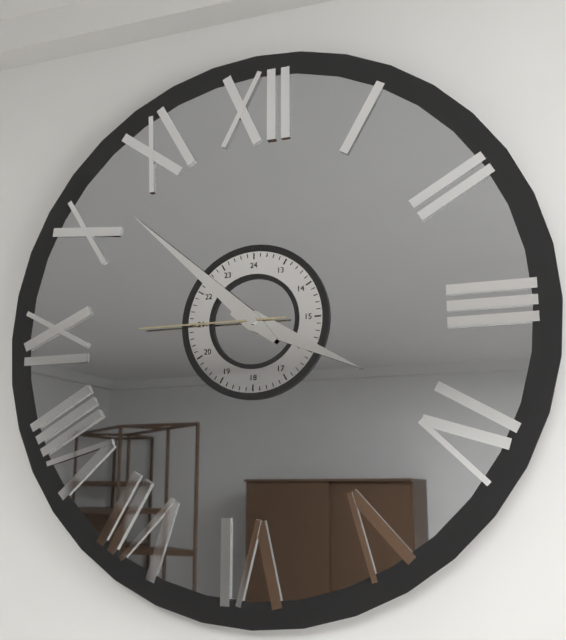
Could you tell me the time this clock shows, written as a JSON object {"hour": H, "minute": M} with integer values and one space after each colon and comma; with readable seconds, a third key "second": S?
{"hour": 3, "minute": 52, "second": 45}
